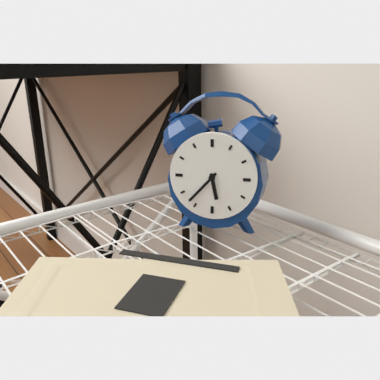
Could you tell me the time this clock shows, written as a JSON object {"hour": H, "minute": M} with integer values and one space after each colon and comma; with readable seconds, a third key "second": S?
{"hour": 5, "minute": 37}
